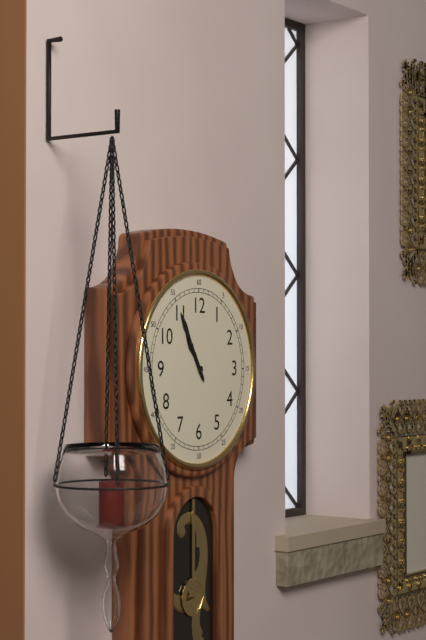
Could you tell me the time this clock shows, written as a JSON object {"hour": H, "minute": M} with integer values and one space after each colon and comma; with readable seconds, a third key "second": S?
{"hour": 10, "minute": 55}
